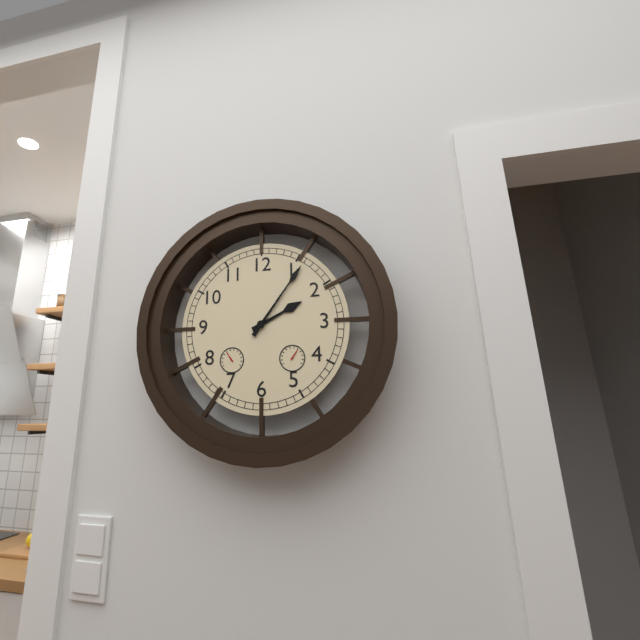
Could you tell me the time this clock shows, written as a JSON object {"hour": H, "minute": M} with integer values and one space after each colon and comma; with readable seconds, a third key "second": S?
{"hour": 2, "minute": 6}
